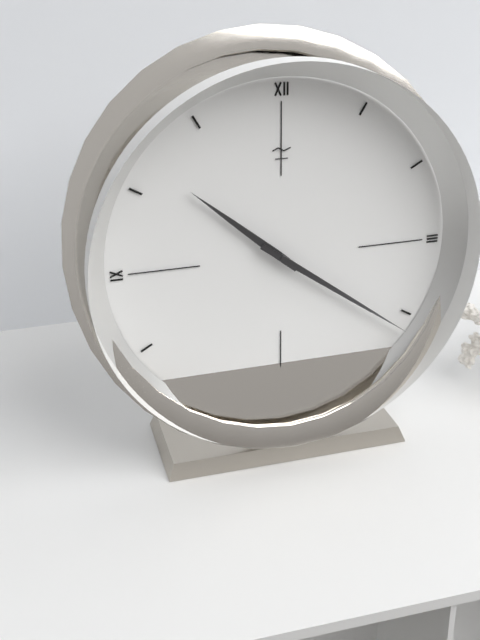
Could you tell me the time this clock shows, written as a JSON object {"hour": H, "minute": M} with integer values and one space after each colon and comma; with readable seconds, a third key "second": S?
{"hour": 10, "minute": 21}
